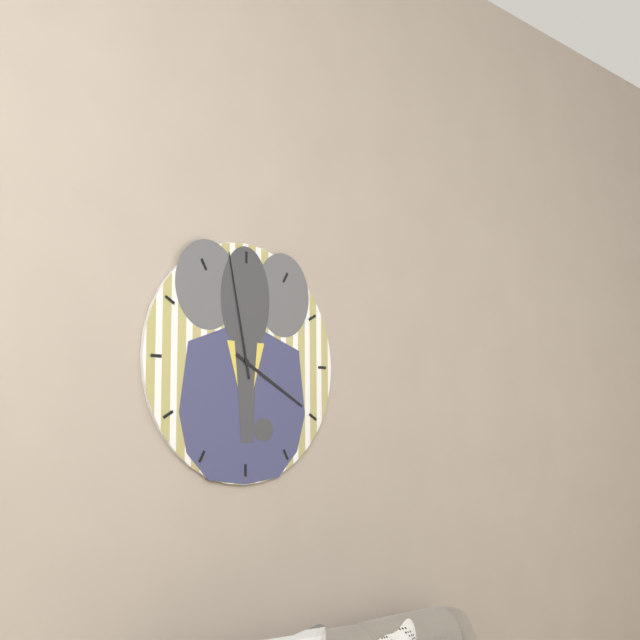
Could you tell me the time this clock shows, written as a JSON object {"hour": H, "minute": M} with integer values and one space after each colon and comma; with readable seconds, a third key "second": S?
{"hour": 3, "minute": 58}
